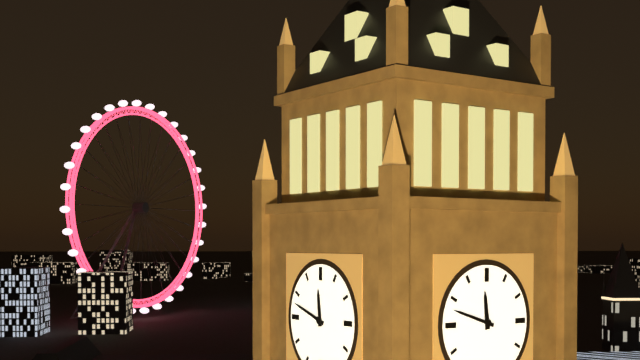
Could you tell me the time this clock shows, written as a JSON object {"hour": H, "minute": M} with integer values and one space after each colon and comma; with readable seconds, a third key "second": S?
{"hour": 11, "minute": 48}
